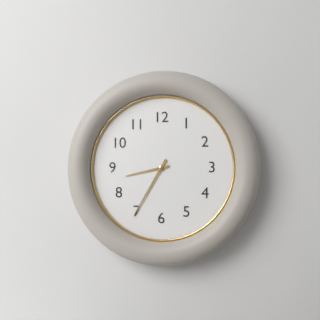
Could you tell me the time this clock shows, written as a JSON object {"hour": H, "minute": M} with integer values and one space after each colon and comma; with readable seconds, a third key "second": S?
{"hour": 8, "minute": 35}
